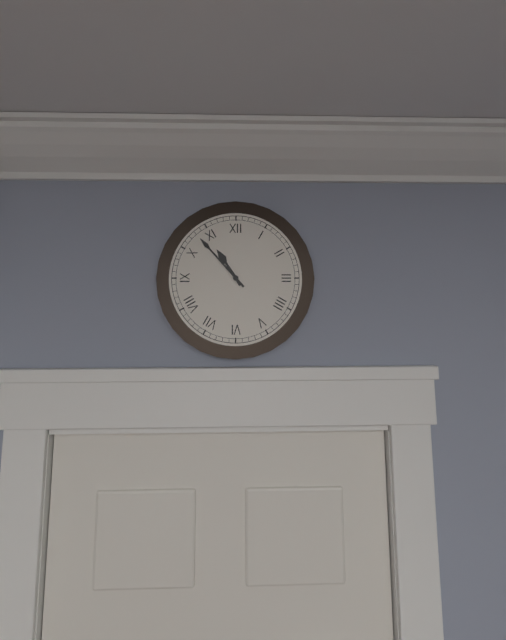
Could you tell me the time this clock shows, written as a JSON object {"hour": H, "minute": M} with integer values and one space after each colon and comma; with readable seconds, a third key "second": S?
{"hour": 10, "minute": 53}
